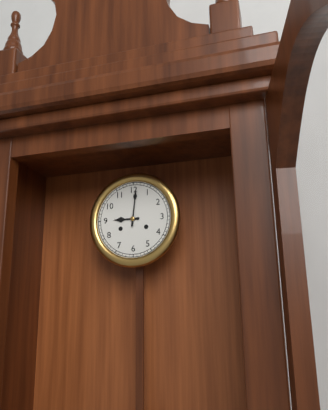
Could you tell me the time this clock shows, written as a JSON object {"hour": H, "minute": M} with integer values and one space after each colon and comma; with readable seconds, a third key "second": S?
{"hour": 9, "minute": 1}
